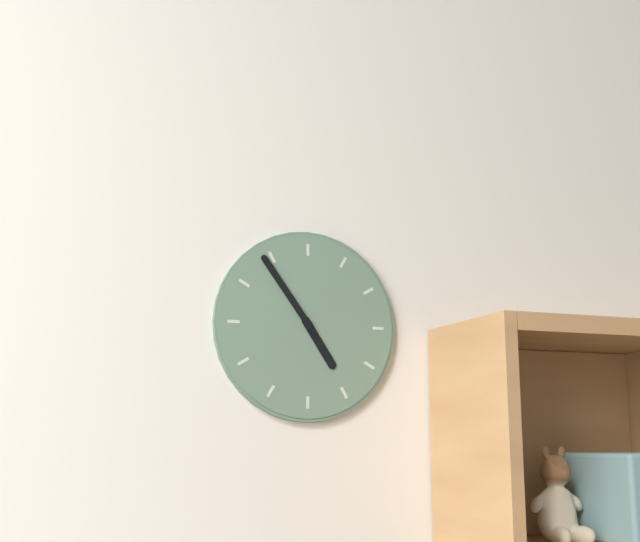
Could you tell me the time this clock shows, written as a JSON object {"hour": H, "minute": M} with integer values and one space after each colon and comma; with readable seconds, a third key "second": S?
{"hour": 4, "minute": 54}
